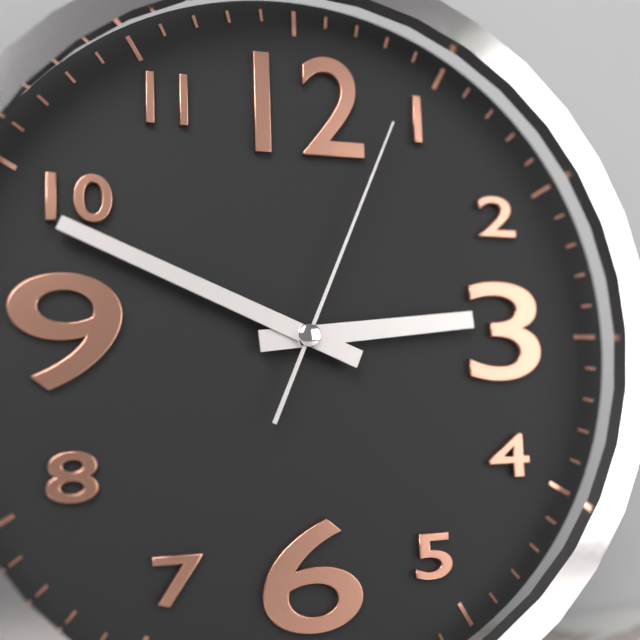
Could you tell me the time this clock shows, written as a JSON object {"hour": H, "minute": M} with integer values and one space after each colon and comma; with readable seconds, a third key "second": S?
{"hour": 2, "minute": 49, "second": 4}
